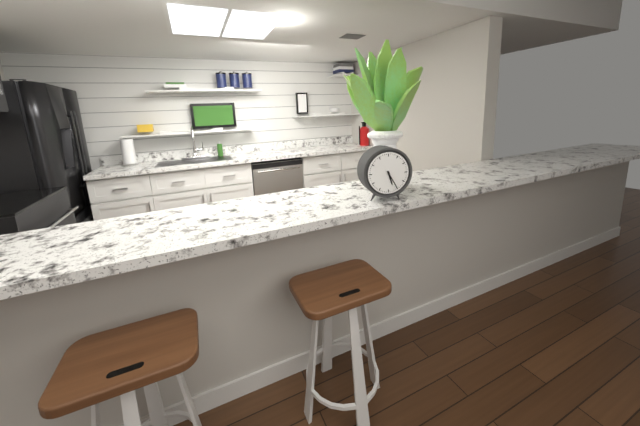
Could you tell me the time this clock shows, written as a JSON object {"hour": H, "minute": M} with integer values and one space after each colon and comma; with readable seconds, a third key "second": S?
{"hour": 5, "minute": 25}
